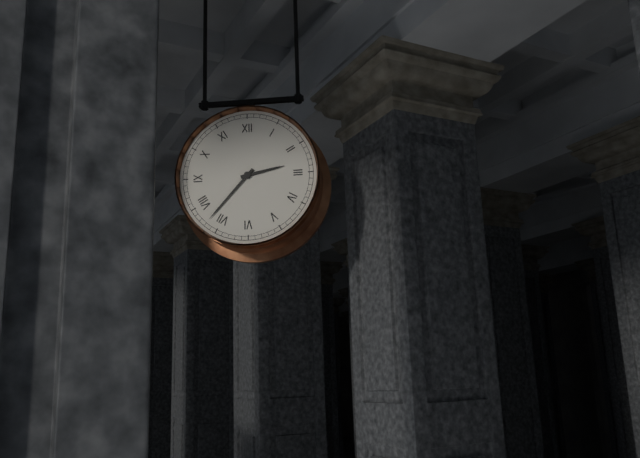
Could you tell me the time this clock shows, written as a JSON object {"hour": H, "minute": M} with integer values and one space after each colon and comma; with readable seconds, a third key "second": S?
{"hour": 2, "minute": 37}
